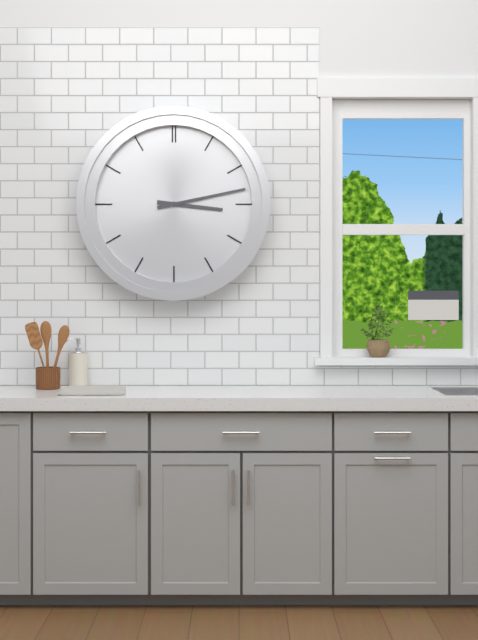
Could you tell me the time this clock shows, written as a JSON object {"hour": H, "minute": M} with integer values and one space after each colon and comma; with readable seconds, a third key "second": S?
{"hour": 3, "minute": 13}
